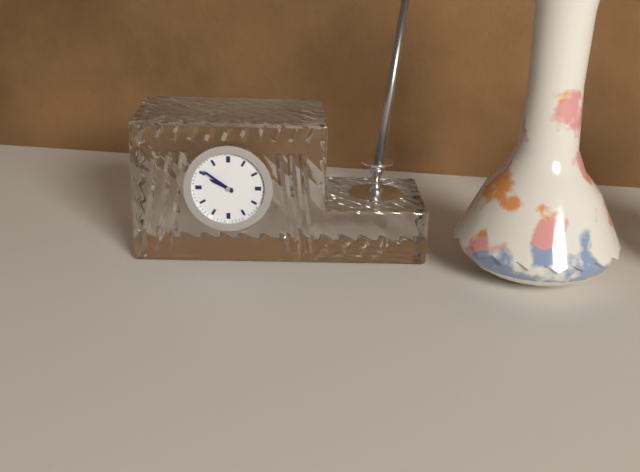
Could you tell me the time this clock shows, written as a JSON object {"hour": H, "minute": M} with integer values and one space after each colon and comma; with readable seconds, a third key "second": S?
{"hour": 9, "minute": 51}
